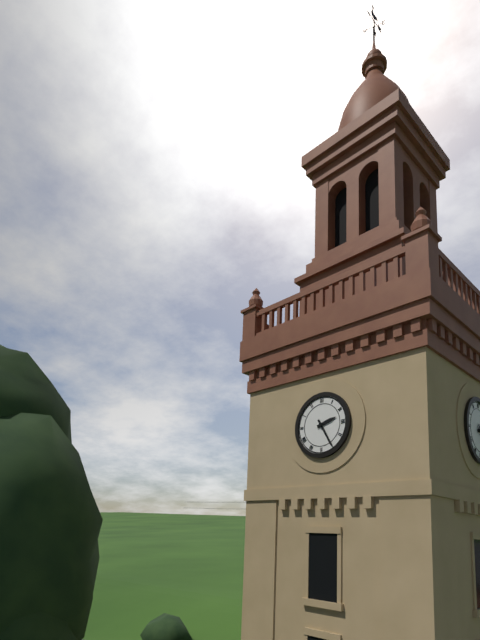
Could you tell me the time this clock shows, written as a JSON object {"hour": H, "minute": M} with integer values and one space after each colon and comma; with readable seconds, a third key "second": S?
{"hour": 2, "minute": 25}
